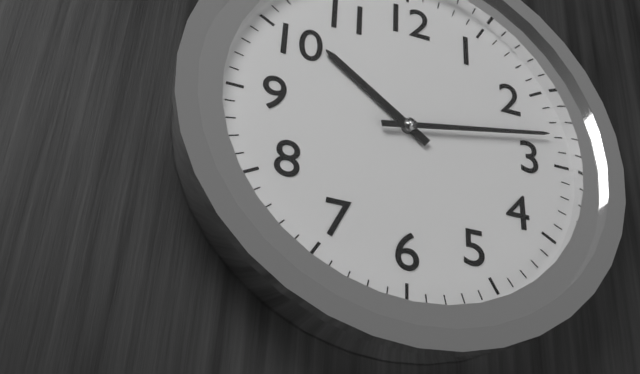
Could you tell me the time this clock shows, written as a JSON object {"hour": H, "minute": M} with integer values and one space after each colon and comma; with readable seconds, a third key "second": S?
{"hour": 10, "minute": 13}
